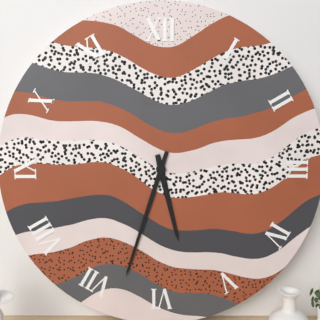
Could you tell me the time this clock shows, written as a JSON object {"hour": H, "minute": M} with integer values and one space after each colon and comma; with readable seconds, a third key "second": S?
{"hour": 5, "minute": 33}
